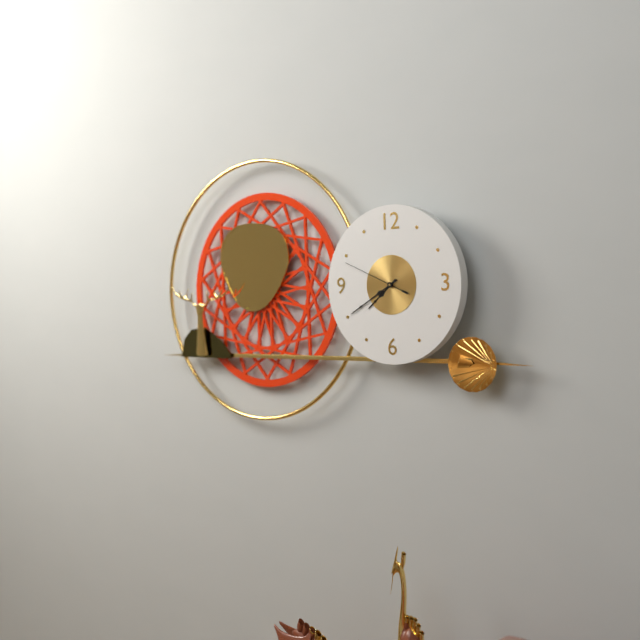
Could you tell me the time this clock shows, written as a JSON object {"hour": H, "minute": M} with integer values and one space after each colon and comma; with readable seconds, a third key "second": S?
{"hour": 7, "minute": 40, "second": 49}
